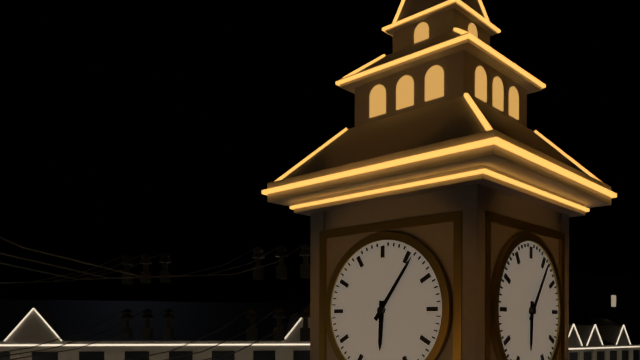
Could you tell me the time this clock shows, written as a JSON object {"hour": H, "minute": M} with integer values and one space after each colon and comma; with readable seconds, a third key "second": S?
{"hour": 6, "minute": 6}
